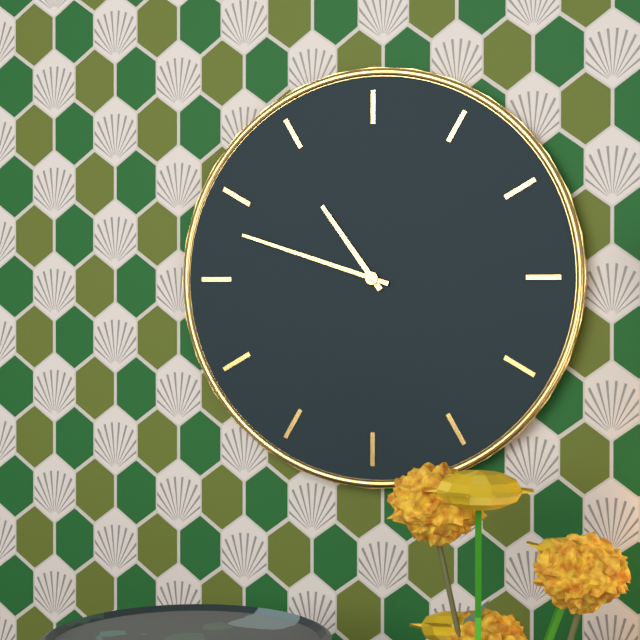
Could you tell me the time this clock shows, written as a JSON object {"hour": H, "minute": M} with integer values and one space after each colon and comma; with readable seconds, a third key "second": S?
{"hour": 10, "minute": 48}
